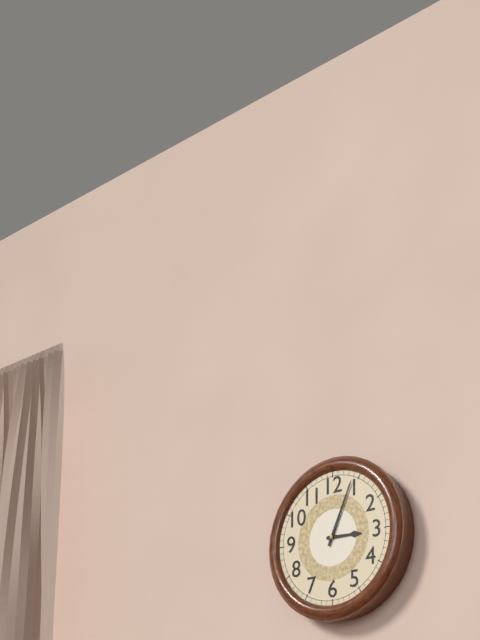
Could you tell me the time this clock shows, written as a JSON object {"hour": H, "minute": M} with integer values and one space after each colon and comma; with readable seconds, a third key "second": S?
{"hour": 3, "minute": 4}
